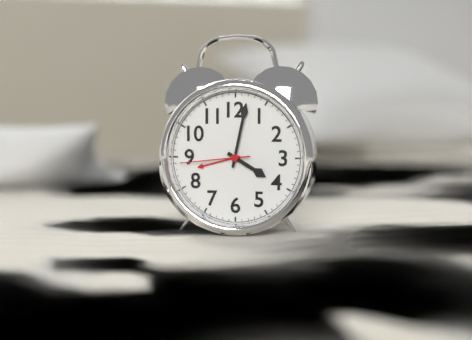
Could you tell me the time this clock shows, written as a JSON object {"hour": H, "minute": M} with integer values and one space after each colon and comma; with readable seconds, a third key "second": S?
{"hour": 4, "minute": 2, "second": 44}
